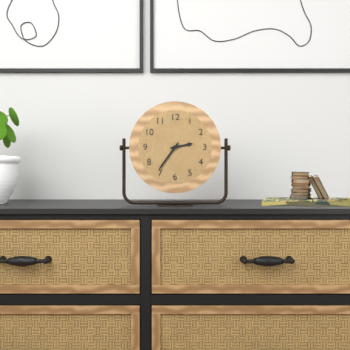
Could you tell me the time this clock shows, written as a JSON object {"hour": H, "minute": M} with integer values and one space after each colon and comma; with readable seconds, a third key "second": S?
{"hour": 2, "minute": 36}
